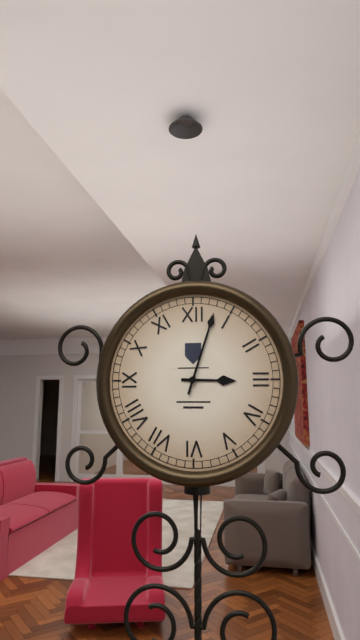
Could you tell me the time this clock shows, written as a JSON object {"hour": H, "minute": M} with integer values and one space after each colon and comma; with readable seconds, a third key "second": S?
{"hour": 3, "minute": 3}
